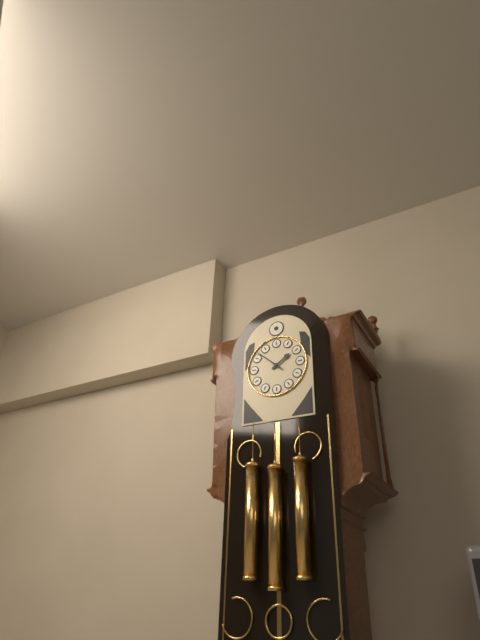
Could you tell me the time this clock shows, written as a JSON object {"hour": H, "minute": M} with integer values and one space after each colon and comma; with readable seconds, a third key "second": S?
{"hour": 1, "minute": 52}
